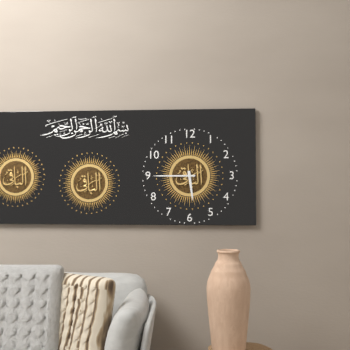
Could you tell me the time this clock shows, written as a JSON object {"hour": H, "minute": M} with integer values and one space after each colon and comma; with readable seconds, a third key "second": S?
{"hour": 5, "minute": 45}
